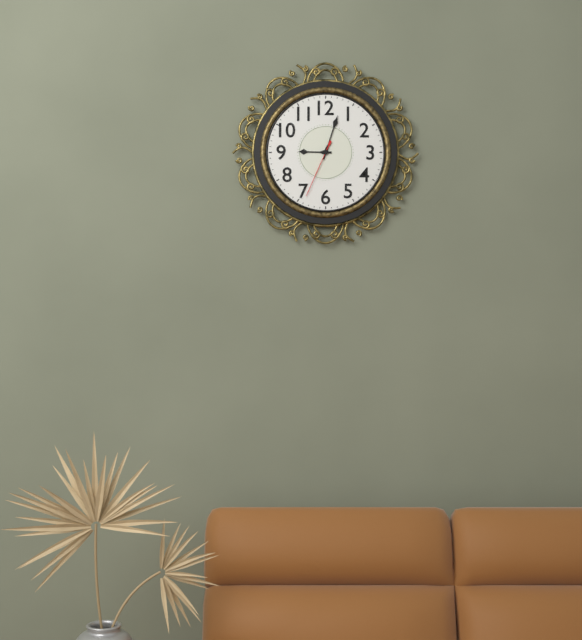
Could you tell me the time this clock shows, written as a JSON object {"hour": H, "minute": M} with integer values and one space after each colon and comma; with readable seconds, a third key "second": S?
{"hour": 9, "minute": 3, "second": 34}
